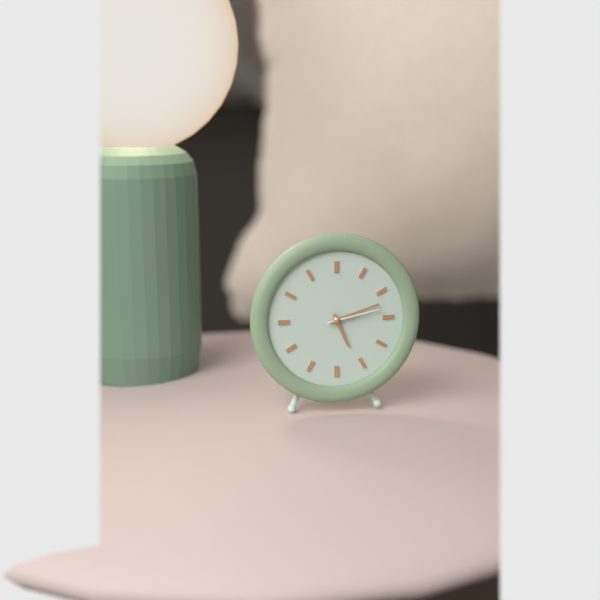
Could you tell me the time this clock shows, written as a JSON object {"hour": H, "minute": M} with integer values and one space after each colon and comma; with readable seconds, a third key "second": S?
{"hour": 5, "minute": 12, "second": 13}
